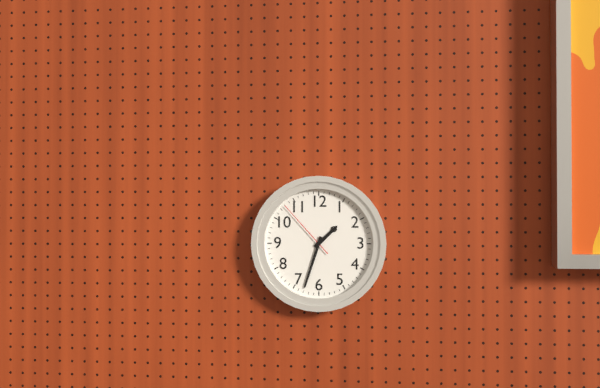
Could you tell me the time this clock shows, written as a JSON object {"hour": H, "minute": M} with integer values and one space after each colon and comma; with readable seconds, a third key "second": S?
{"hour": 1, "minute": 33, "second": 53}
